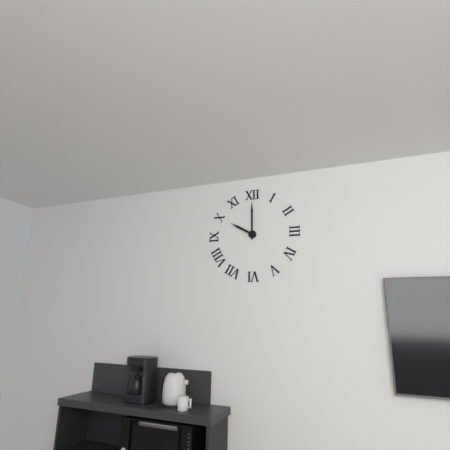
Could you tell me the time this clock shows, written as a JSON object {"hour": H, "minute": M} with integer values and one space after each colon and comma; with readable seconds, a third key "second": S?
{"hour": 10, "minute": 0}
